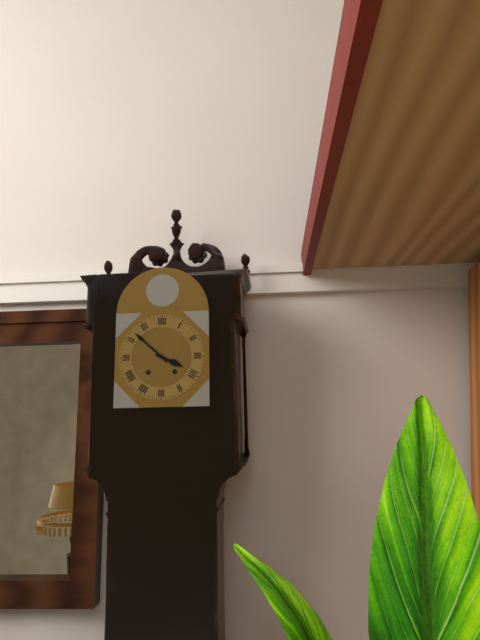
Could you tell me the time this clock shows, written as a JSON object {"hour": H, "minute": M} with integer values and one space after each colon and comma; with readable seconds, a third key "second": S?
{"hour": 3, "minute": 52}
